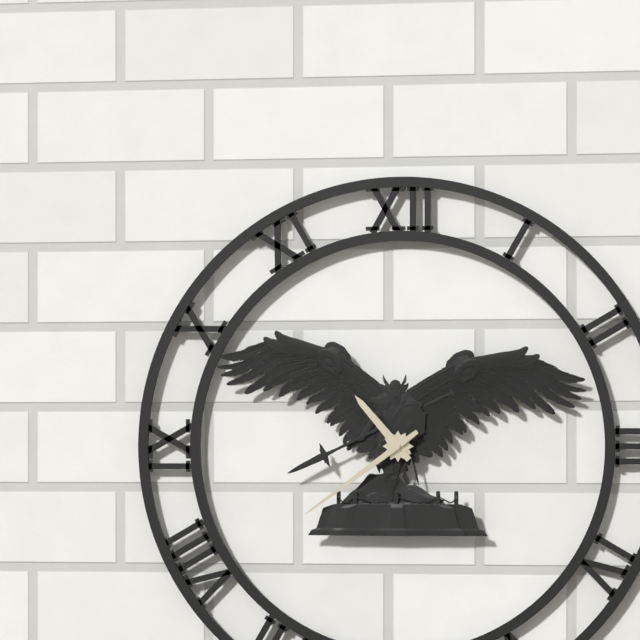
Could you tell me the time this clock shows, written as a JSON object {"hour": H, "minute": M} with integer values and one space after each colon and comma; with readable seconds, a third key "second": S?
{"hour": 10, "minute": 39}
